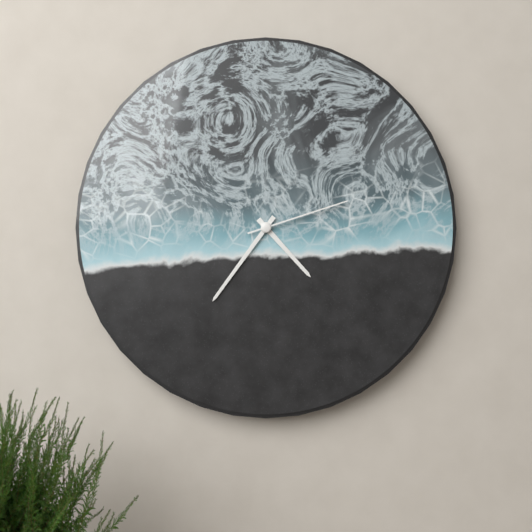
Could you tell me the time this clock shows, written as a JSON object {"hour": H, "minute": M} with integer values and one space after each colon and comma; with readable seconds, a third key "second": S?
{"hour": 4, "minute": 36, "second": 12}
